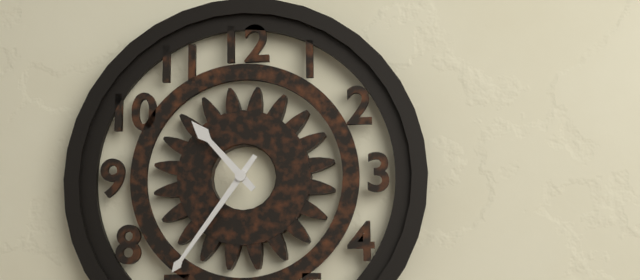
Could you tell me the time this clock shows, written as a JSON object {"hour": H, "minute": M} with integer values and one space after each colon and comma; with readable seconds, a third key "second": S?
{"hour": 10, "minute": 36}
